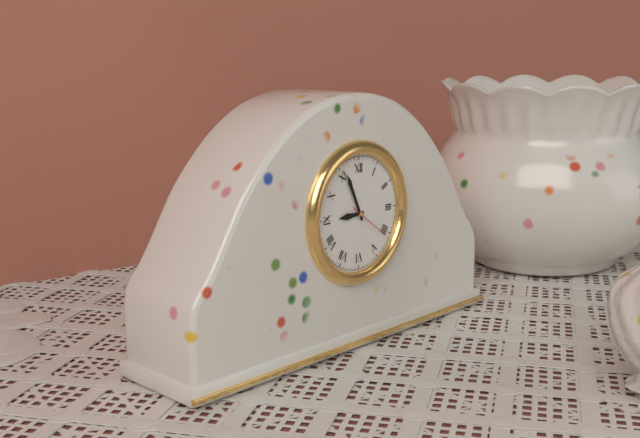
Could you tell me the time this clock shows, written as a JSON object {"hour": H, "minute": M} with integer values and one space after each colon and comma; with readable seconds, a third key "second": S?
{"hour": 8, "minute": 56}
